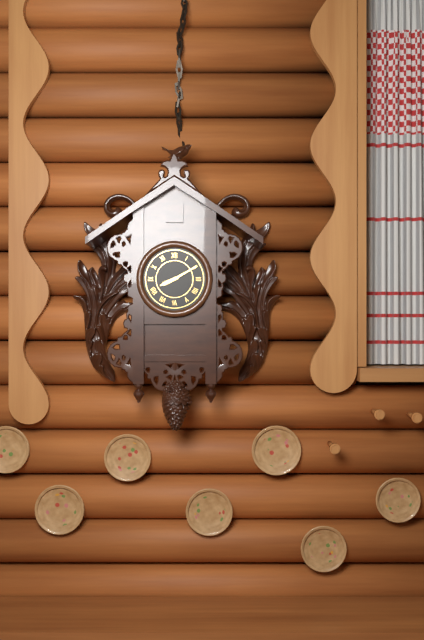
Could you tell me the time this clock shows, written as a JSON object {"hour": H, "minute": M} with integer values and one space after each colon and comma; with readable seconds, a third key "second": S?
{"hour": 8, "minute": 10}
